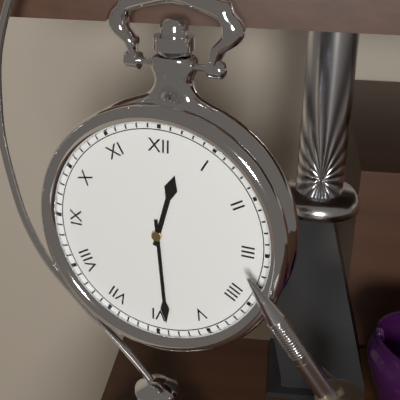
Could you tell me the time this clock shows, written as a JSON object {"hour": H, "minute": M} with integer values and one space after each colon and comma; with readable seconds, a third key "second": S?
{"hour": 12, "minute": 29}
